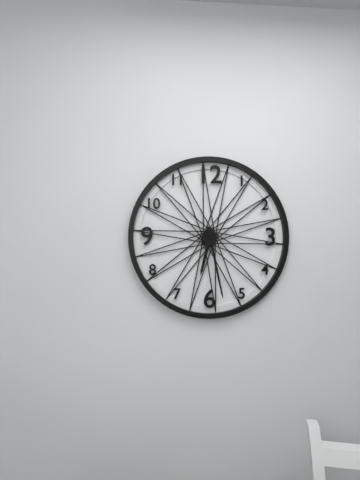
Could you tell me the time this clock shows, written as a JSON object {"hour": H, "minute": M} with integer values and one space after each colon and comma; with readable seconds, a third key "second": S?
{"hour": 6, "minute": 28}
